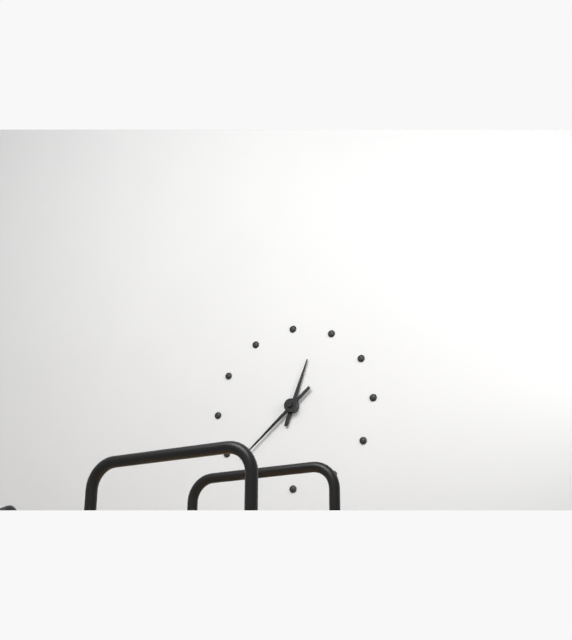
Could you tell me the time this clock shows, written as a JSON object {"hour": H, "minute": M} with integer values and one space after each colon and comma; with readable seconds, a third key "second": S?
{"hour": 12, "minute": 38}
